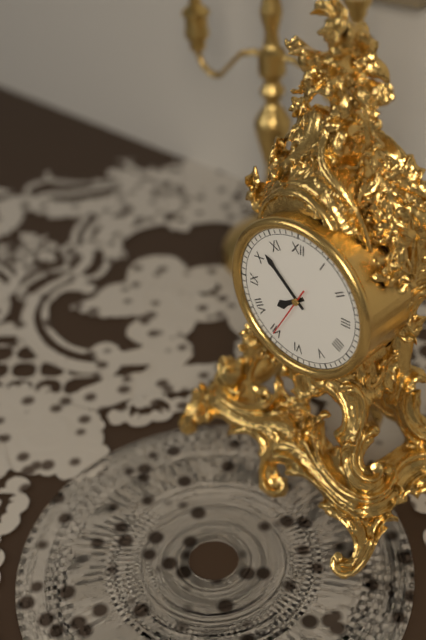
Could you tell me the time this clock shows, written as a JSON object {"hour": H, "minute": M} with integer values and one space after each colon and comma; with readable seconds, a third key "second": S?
{"hour": 7, "minute": 52}
